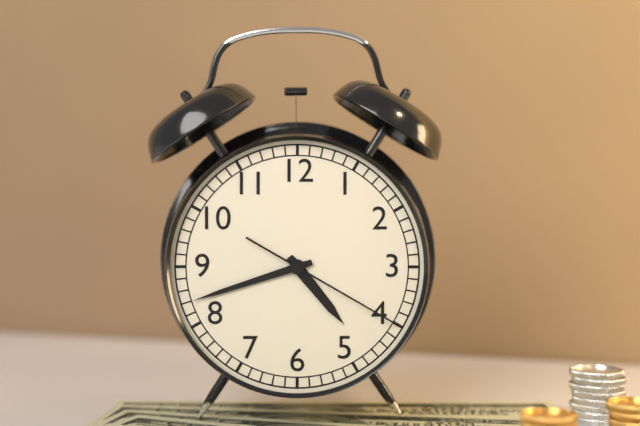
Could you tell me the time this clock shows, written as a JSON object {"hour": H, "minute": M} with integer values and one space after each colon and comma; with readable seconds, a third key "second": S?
{"hour": 4, "minute": 42, "second": 20}
